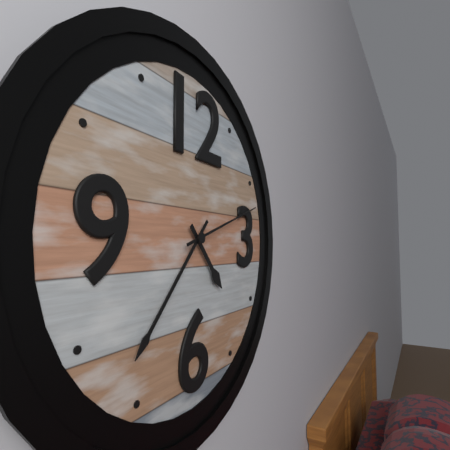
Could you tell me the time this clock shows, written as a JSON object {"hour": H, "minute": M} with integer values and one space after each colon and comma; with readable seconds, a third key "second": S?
{"hour": 4, "minute": 37, "second": 12}
